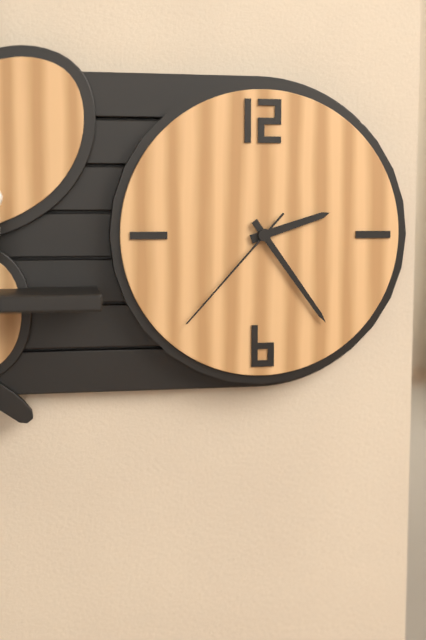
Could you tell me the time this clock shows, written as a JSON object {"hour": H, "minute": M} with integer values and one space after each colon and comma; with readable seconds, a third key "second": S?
{"hour": 2, "minute": 24, "second": 37}
